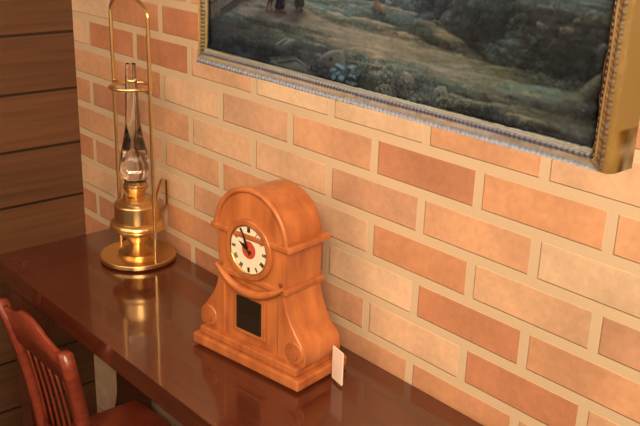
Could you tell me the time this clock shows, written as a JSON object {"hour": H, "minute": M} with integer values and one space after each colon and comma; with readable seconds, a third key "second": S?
{"hour": 9, "minute": 56}
